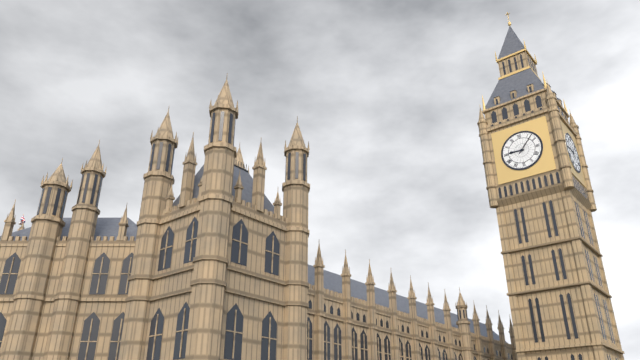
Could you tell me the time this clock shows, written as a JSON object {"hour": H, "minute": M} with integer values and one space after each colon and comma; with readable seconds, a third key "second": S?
{"hour": 9, "minute": 7}
